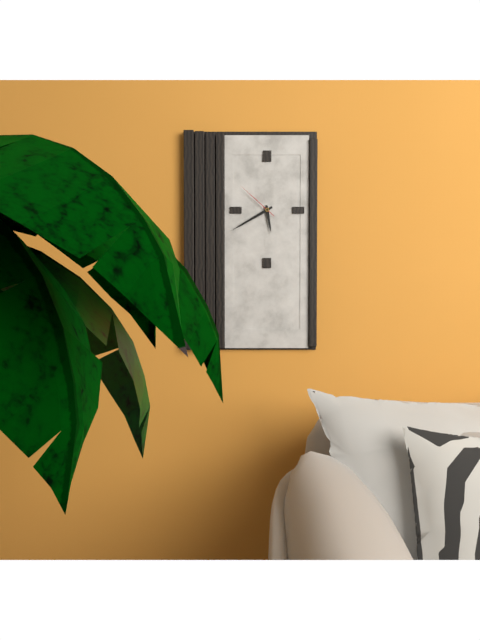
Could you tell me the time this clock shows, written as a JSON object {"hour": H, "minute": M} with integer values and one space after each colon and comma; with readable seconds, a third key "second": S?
{"hour": 5, "minute": 40}
